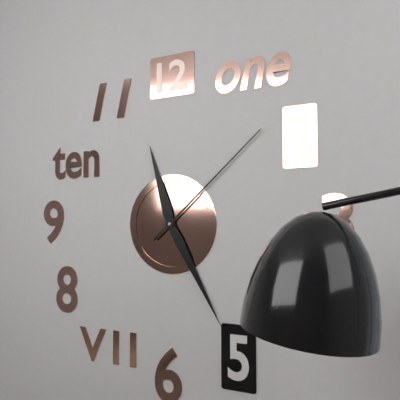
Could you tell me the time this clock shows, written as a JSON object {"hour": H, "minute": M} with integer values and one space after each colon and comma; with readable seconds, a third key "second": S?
{"hour": 11, "minute": 25, "second": 8}
